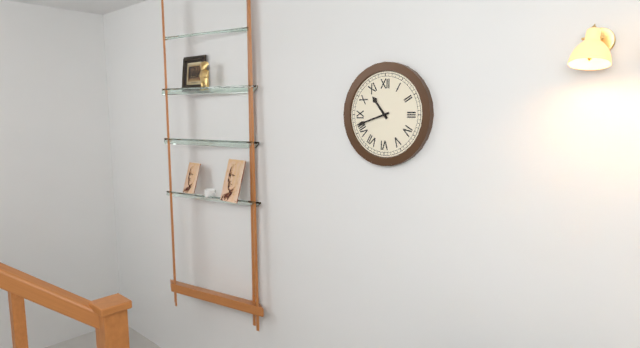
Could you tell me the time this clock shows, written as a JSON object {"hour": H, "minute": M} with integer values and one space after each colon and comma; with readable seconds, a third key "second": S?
{"hour": 10, "minute": 42}
